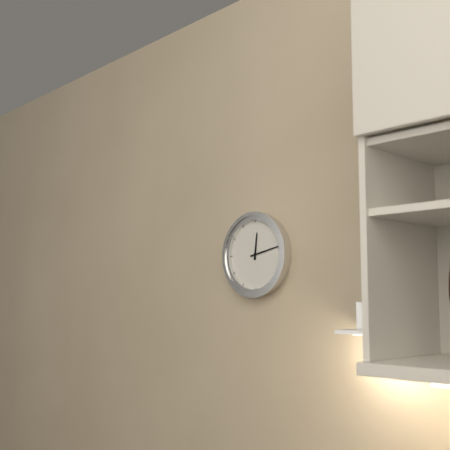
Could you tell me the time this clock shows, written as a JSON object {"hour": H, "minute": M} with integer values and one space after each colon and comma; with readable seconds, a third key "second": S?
{"hour": 12, "minute": 13}
